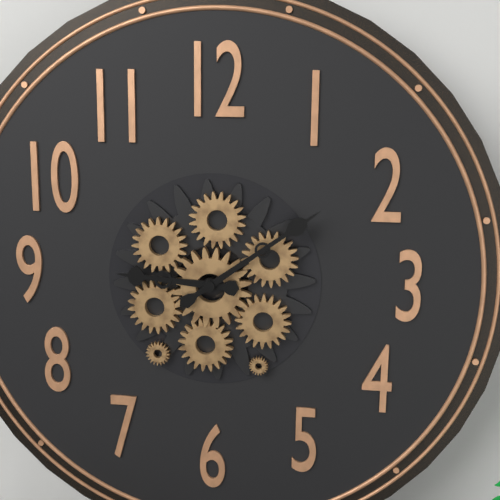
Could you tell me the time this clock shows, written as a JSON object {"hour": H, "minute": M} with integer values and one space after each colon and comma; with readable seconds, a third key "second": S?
{"hour": 9, "minute": 9}
